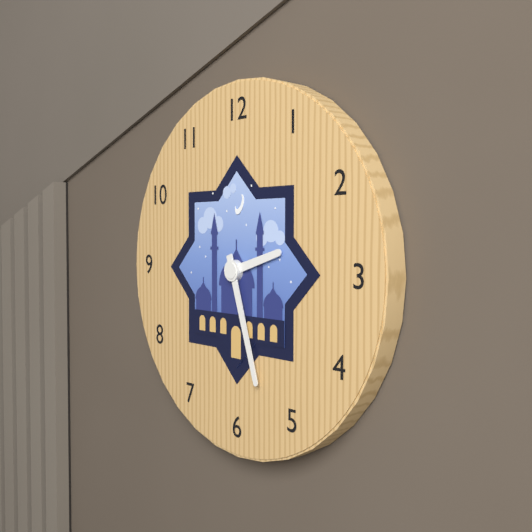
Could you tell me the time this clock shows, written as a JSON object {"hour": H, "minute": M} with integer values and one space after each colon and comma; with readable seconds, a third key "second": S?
{"hour": 2, "minute": 27}
